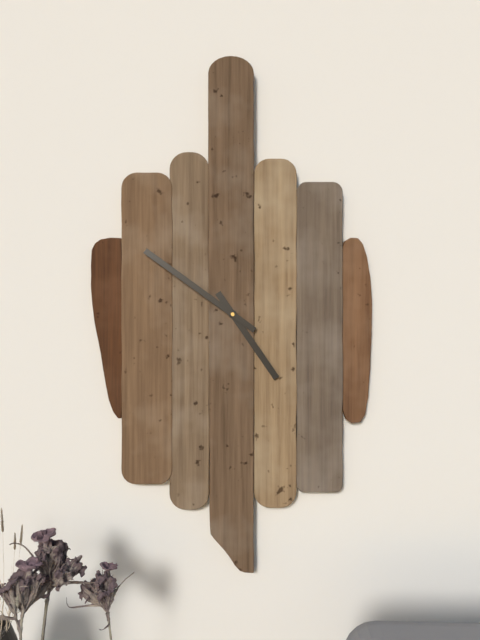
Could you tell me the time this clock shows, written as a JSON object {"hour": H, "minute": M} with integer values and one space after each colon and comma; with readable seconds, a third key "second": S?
{"hour": 4, "minute": 51}
